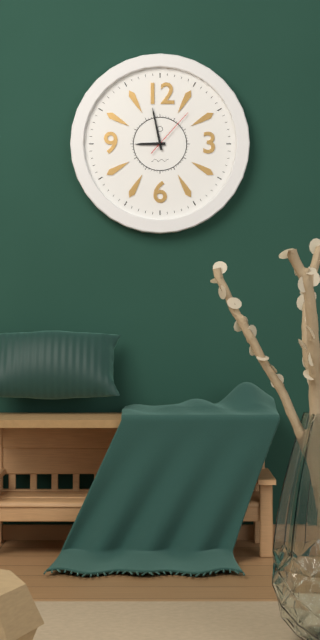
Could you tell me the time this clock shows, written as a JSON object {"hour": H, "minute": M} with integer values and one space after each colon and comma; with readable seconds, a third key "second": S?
{"hour": 8, "minute": 58, "second": 7}
